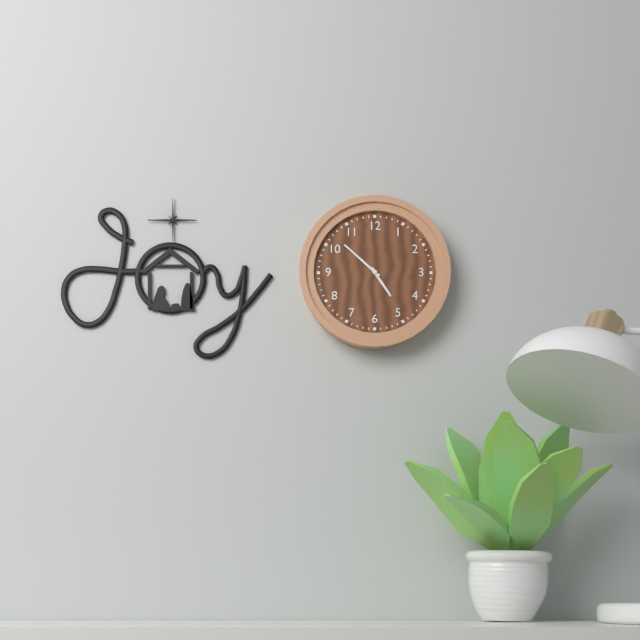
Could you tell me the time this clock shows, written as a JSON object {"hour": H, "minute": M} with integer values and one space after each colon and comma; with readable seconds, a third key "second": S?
{"hour": 4, "minute": 52}
